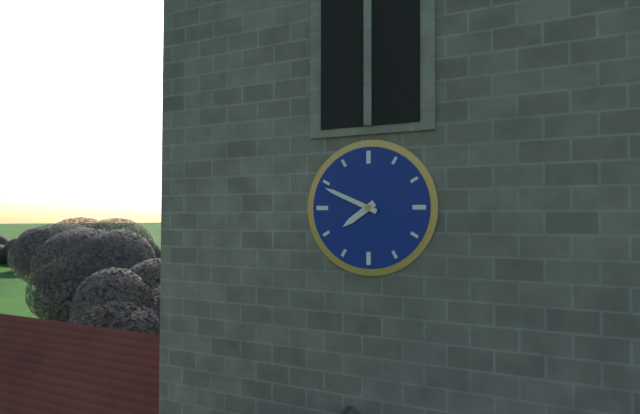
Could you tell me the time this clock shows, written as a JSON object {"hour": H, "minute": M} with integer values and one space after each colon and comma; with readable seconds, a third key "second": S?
{"hour": 7, "minute": 49}
